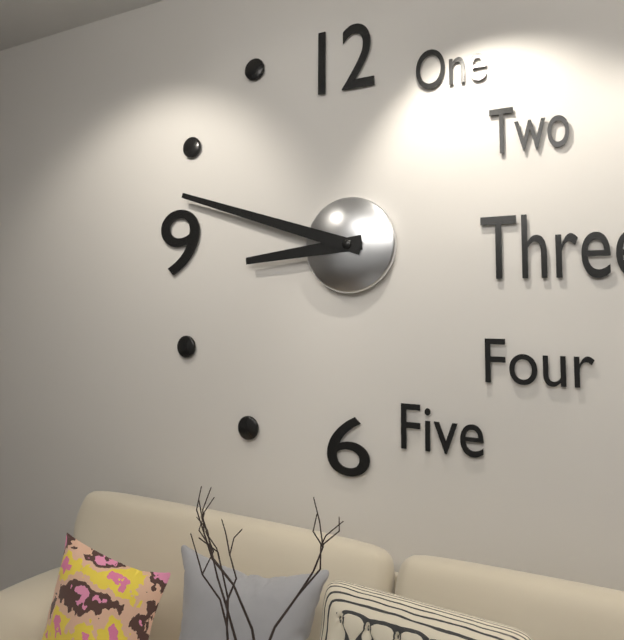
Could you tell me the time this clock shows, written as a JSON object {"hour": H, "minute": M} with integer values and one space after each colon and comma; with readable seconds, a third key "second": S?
{"hour": 8, "minute": 48}
